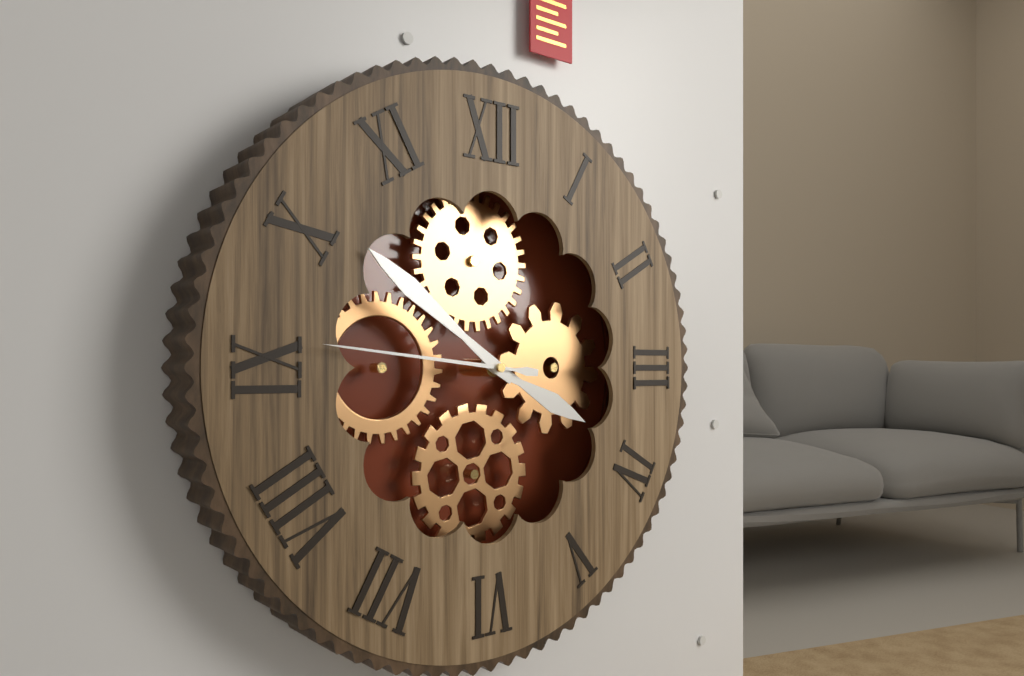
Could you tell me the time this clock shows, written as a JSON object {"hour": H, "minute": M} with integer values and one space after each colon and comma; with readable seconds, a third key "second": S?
{"hour": 3, "minute": 51, "second": 46}
